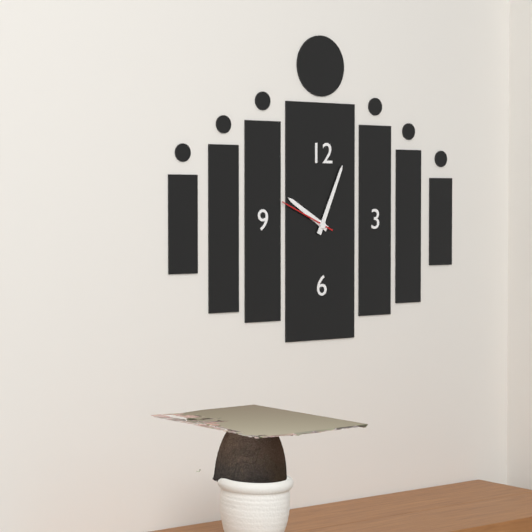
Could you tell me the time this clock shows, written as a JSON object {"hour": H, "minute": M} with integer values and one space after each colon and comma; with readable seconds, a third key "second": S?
{"hour": 10, "minute": 4, "second": 49}
